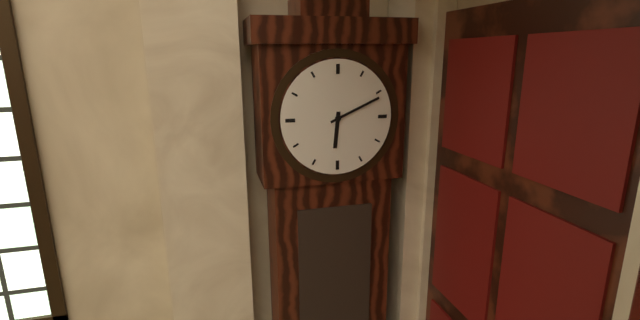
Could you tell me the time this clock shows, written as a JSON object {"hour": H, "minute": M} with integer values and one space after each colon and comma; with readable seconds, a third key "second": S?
{"hour": 6, "minute": 11}
